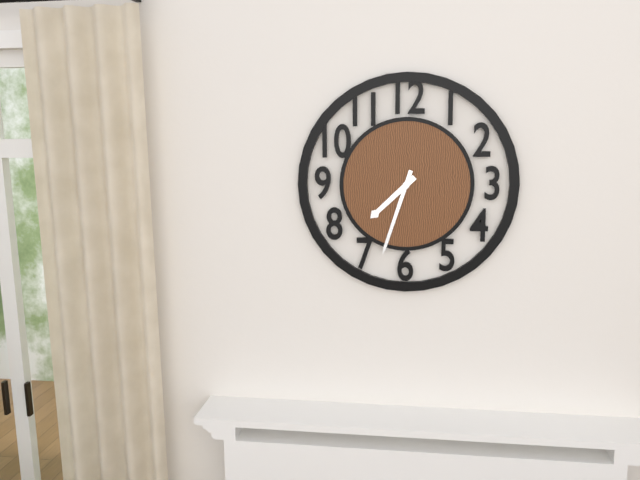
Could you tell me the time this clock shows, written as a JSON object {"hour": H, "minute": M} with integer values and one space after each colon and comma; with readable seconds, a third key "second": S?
{"hour": 7, "minute": 33}
